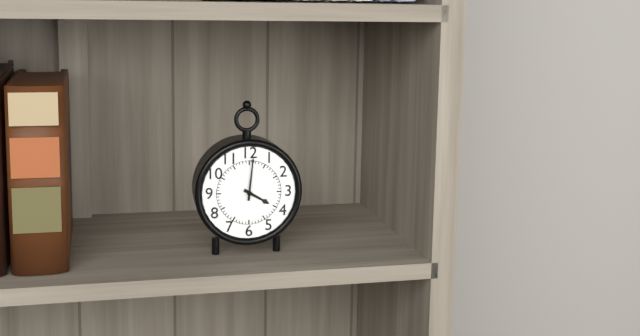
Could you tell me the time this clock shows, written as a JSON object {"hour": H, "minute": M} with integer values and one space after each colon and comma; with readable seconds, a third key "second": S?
{"hour": 4, "minute": 1}
